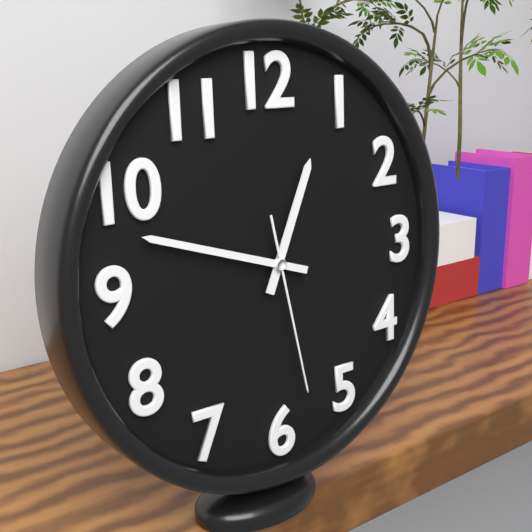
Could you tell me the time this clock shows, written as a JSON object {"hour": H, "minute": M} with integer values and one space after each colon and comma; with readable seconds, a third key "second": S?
{"hour": 12, "minute": 48, "second": 28}
